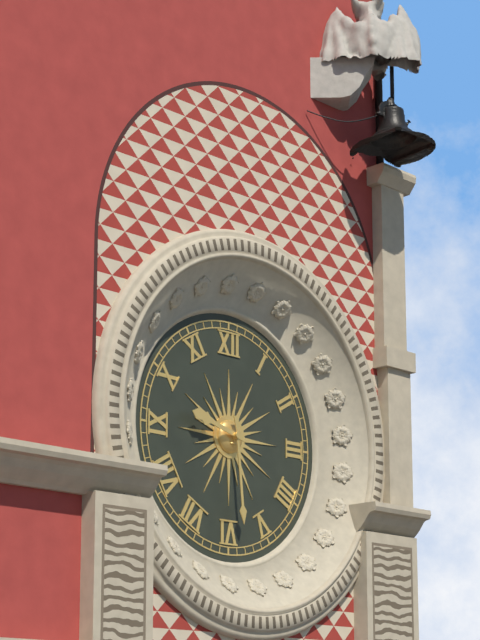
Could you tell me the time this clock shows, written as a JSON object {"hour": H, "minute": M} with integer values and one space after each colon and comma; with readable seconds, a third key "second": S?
{"hour": 9, "minute": 29}
